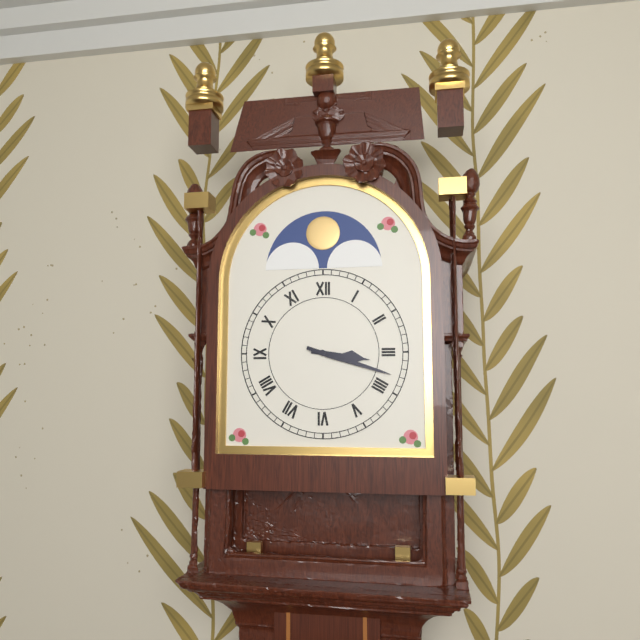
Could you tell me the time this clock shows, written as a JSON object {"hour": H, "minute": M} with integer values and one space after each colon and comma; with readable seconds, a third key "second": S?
{"hour": 3, "minute": 18}
